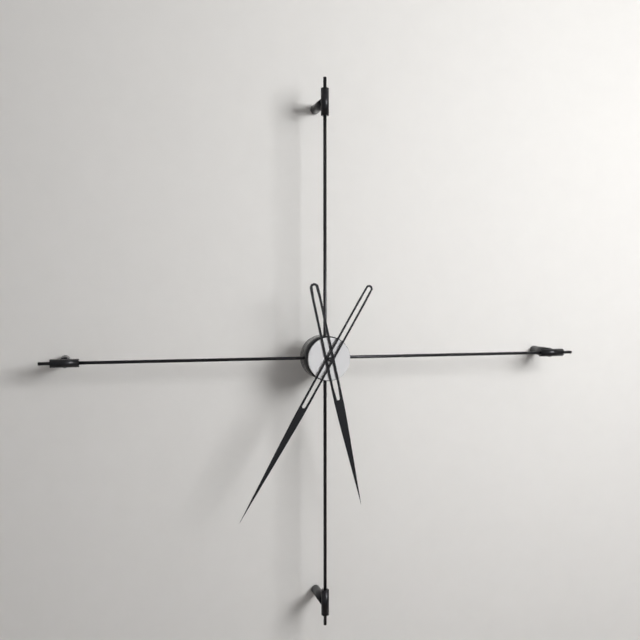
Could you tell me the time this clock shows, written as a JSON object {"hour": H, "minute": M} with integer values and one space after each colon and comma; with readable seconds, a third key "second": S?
{"hour": 5, "minute": 35}
